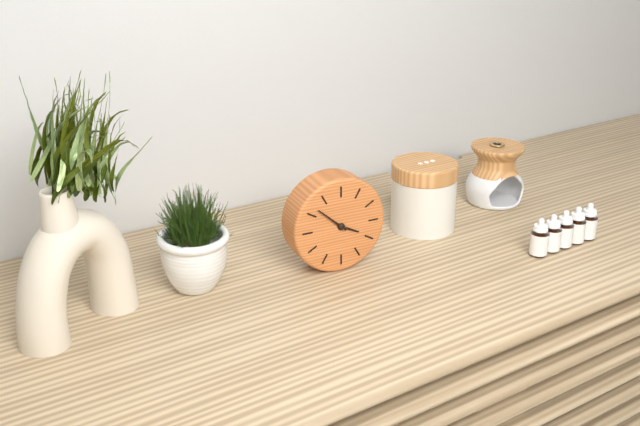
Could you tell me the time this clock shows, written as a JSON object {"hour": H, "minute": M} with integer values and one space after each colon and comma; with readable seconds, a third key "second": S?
{"hour": 3, "minute": 52}
